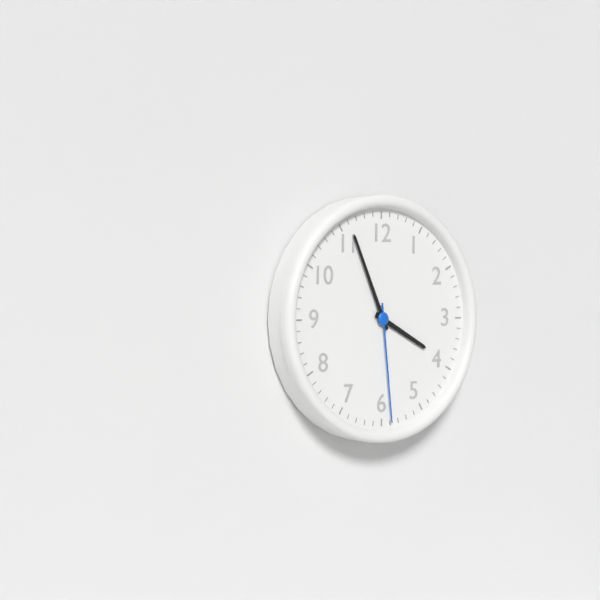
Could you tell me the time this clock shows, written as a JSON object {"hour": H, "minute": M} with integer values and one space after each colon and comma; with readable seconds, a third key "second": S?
{"hour": 3, "minute": 56, "second": 29}
